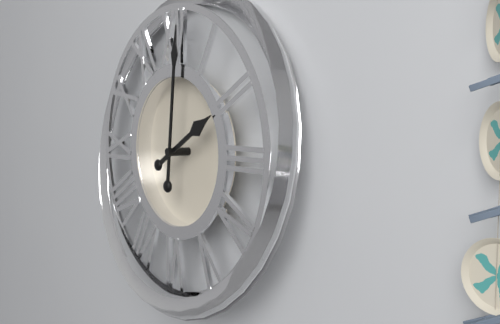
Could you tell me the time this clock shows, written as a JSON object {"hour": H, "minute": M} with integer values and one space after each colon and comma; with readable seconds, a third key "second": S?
{"hour": 2, "minute": 1}
